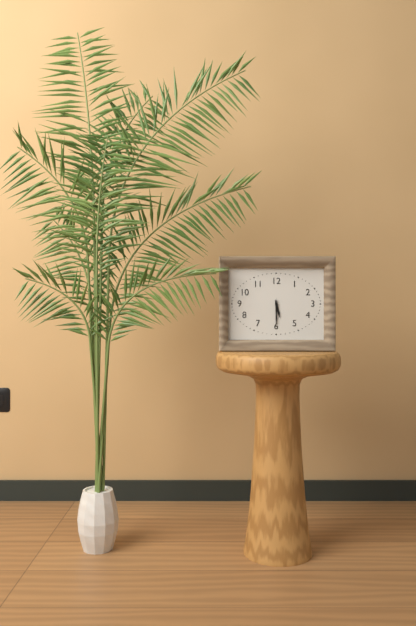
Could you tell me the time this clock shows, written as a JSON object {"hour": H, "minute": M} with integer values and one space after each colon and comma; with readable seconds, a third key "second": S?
{"hour": 5, "minute": 30}
